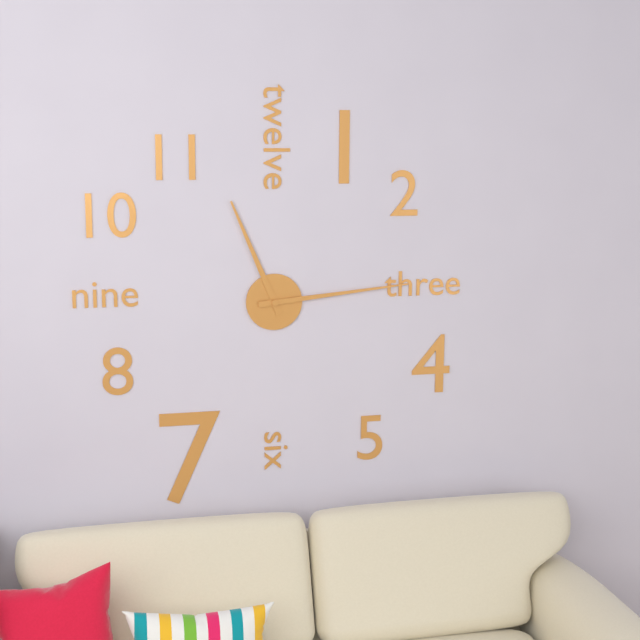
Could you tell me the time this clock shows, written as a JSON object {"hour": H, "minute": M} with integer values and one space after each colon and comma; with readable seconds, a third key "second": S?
{"hour": 11, "minute": 14}
